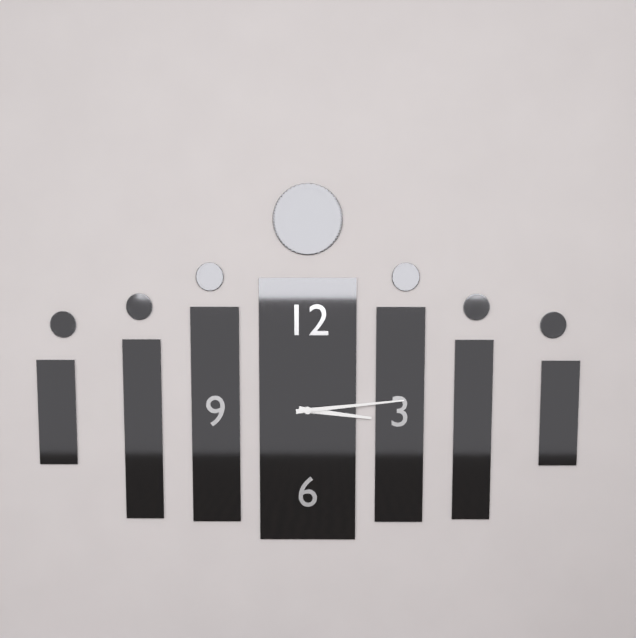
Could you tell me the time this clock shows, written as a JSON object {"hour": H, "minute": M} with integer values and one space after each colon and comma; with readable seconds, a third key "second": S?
{"hour": 3, "minute": 14}
